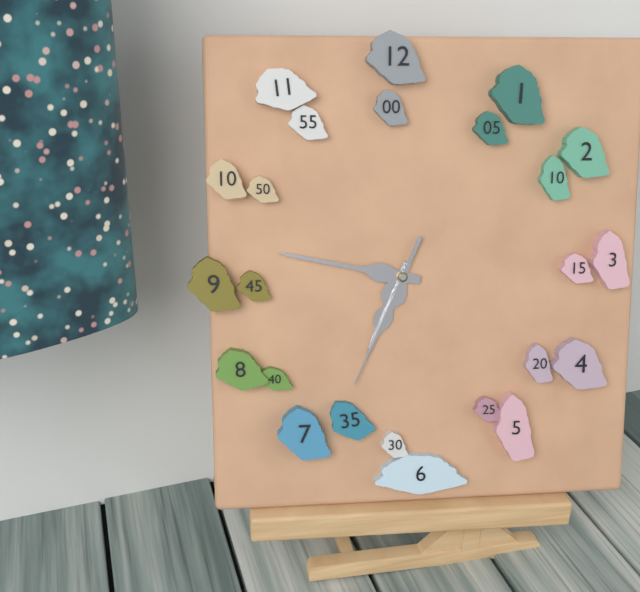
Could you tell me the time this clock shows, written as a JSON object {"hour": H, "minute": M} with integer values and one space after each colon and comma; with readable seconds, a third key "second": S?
{"hour": 6, "minute": 47, "second": 34}
